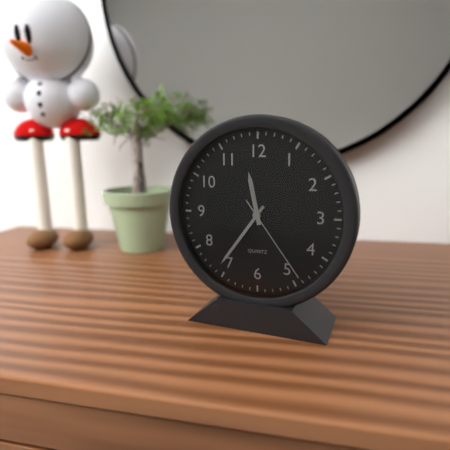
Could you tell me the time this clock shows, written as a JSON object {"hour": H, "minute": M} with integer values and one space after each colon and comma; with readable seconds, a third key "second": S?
{"hour": 11, "minute": 36, "second": 24}
